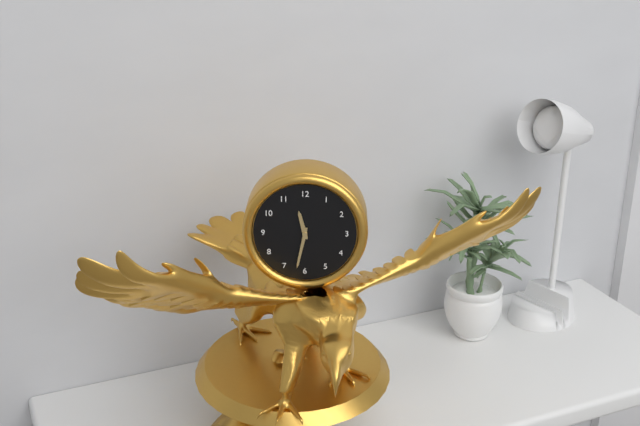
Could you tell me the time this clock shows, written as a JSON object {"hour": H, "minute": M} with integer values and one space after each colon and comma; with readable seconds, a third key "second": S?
{"hour": 11, "minute": 32}
